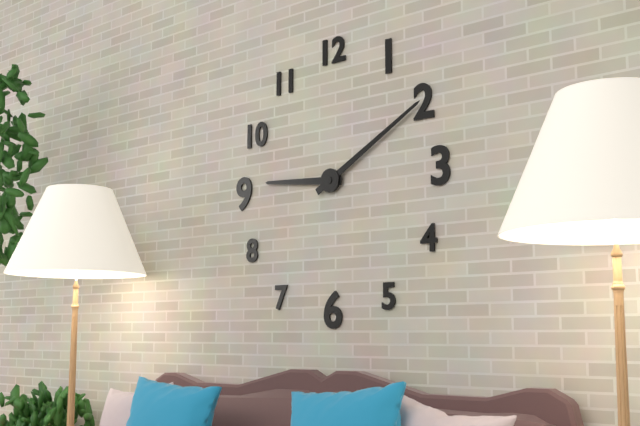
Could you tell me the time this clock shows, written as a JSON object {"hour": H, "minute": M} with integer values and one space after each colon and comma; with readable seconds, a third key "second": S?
{"hour": 9, "minute": 10}
